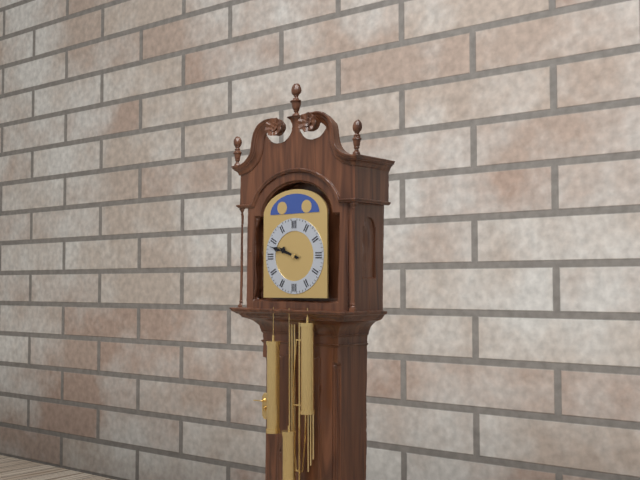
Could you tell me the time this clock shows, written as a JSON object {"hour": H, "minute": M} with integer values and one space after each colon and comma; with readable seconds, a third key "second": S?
{"hour": 9, "minute": 48}
